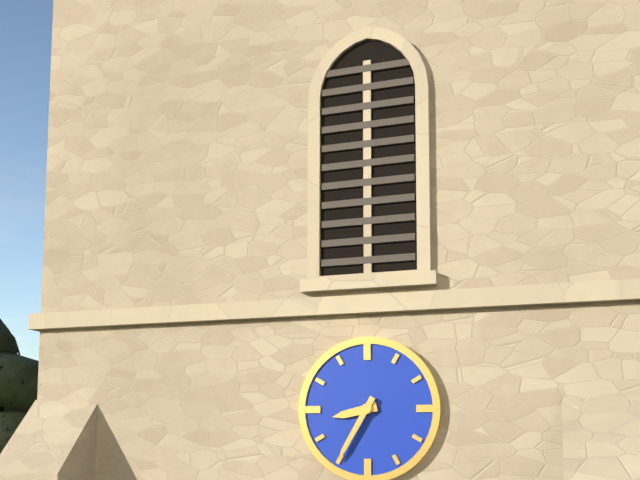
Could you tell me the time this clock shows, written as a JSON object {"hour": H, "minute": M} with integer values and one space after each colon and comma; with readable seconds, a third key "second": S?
{"hour": 8, "minute": 35}
